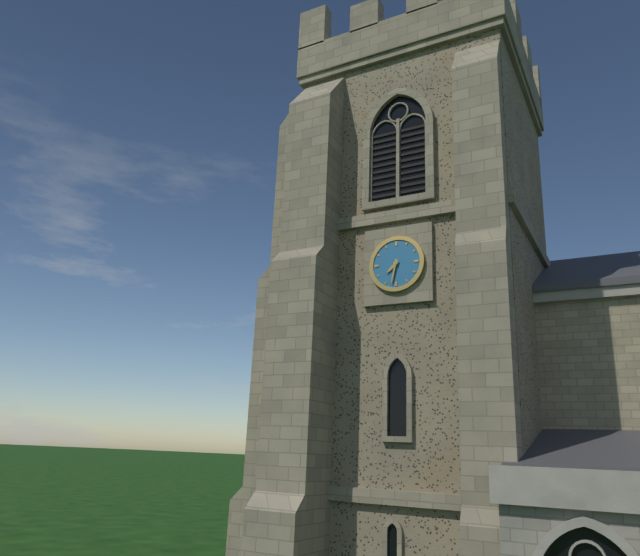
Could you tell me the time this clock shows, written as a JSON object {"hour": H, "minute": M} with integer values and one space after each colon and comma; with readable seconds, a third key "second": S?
{"hour": 7, "minute": 32}
